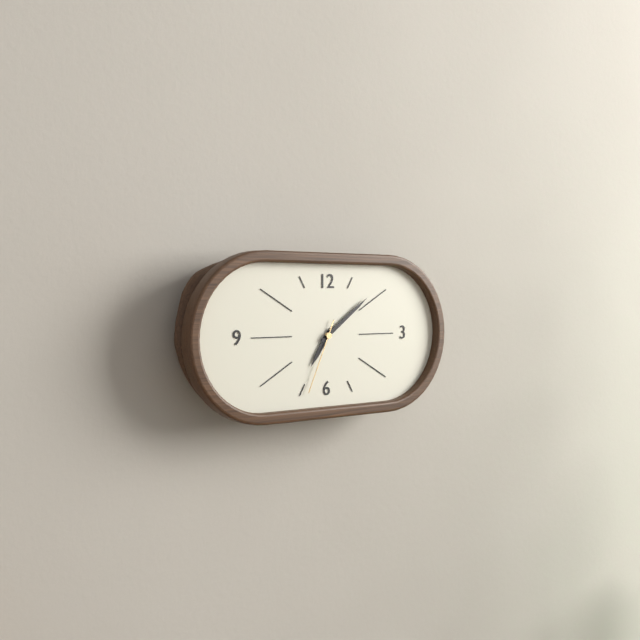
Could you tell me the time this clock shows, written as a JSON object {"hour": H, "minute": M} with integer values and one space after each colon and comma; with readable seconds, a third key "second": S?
{"hour": 7, "minute": 9, "second": 34}
